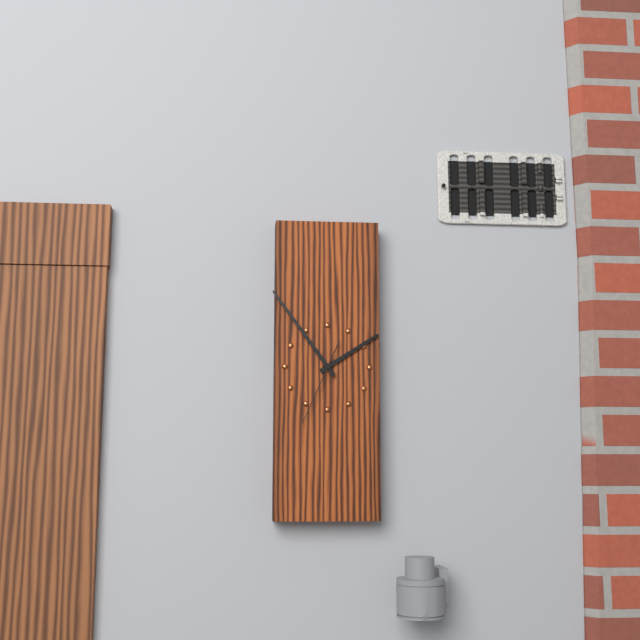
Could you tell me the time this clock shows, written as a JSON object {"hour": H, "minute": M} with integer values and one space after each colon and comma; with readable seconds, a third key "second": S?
{"hour": 1, "minute": 54, "second": 34}
